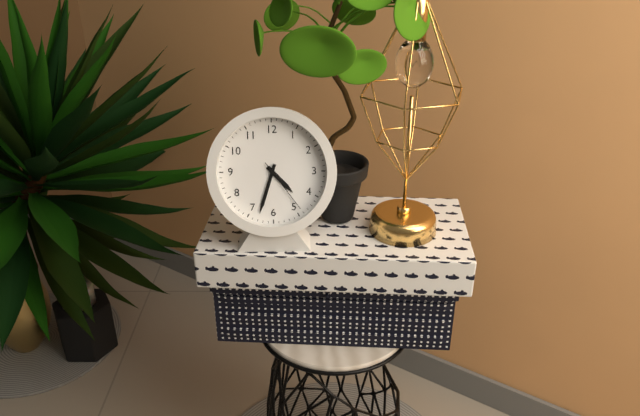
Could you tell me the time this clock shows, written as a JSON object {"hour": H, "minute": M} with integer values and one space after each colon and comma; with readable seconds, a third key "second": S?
{"hour": 4, "minute": 33, "second": 24}
